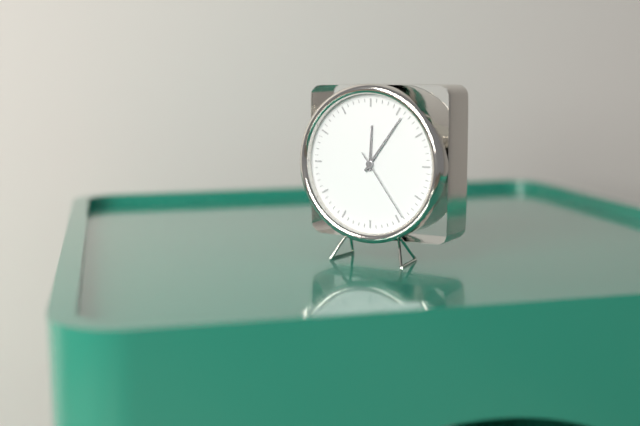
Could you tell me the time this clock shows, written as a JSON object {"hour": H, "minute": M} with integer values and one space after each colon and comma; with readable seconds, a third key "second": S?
{"hour": 12, "minute": 6, "second": 24}
